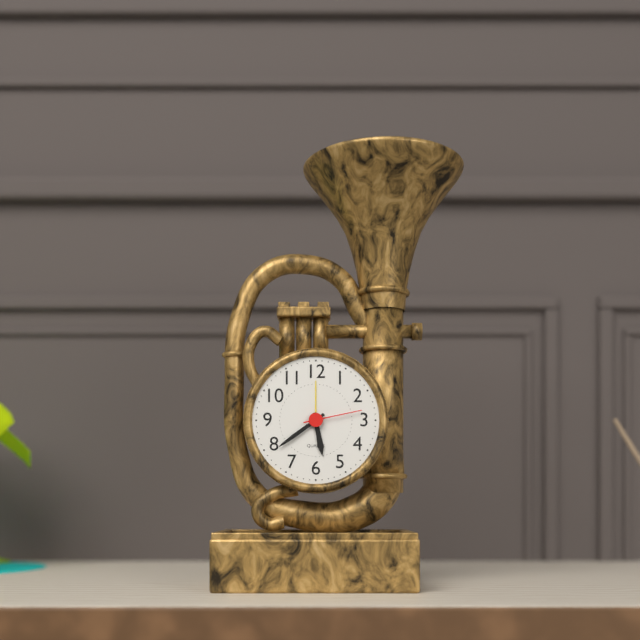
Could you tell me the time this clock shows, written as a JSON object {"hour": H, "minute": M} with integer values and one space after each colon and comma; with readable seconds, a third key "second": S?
{"hour": 5, "minute": 39, "second": 13}
